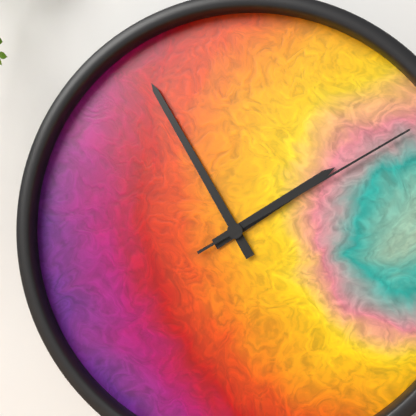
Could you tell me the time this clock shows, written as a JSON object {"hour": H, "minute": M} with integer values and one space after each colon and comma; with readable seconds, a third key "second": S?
{"hour": 1, "minute": 55, "second": 10}
